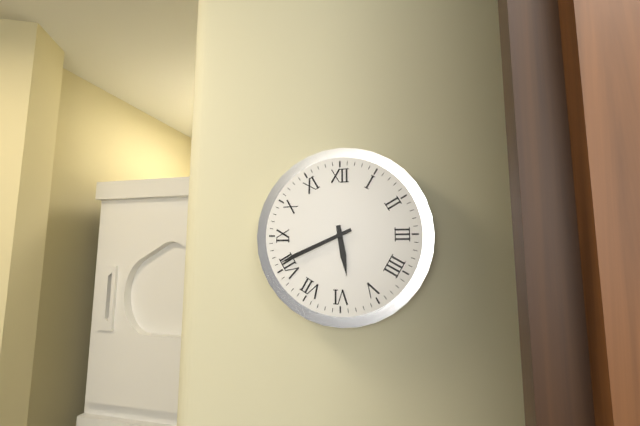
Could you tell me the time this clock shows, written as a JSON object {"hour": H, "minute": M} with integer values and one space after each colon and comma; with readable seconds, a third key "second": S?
{"hour": 5, "minute": 41}
